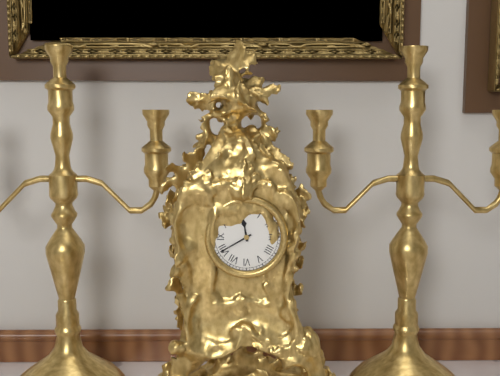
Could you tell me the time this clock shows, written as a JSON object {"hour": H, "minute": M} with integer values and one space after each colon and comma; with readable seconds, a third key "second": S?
{"hour": 11, "minute": 40}
